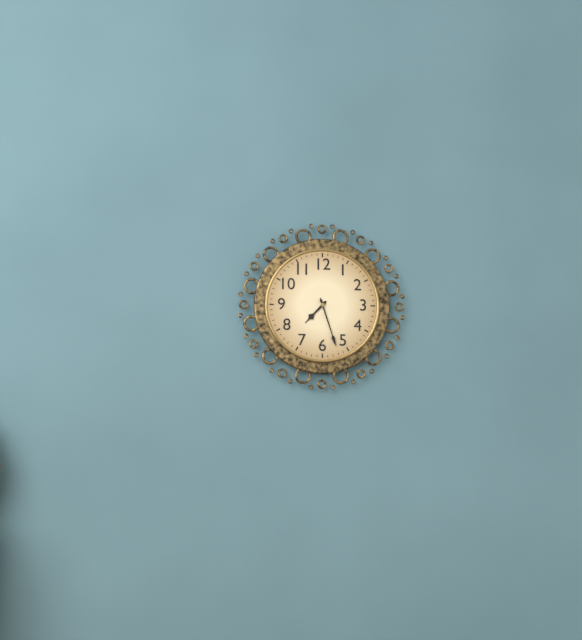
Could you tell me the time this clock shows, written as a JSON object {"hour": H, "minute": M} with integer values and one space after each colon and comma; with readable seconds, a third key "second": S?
{"hour": 7, "minute": 27}
